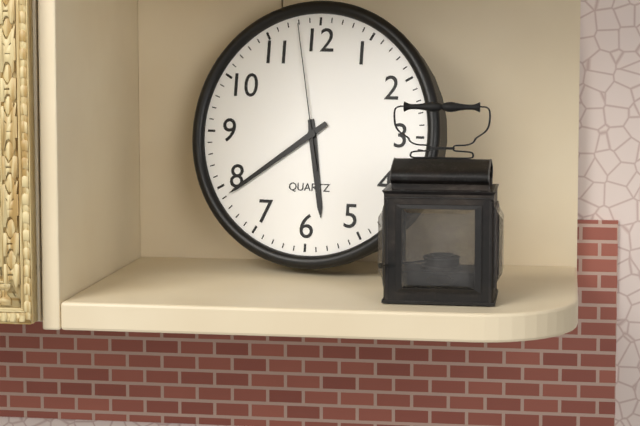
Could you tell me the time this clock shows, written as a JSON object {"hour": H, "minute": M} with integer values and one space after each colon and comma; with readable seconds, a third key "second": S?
{"hour": 5, "minute": 39, "second": 58}
